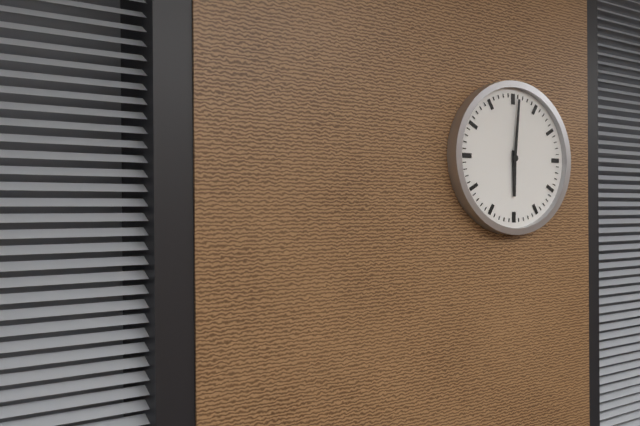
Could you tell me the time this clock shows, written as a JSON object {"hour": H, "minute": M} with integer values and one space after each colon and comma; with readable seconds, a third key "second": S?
{"hour": 6, "minute": 1}
